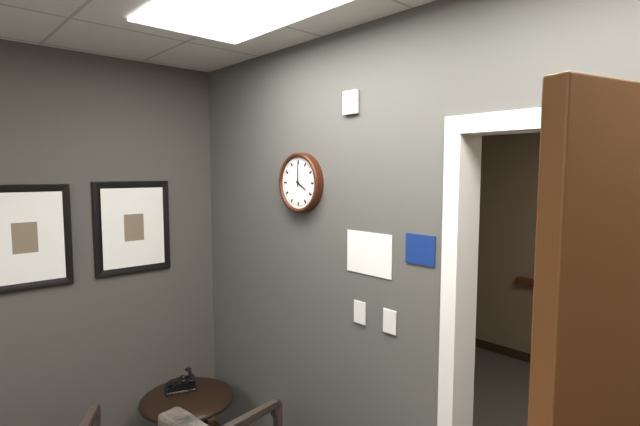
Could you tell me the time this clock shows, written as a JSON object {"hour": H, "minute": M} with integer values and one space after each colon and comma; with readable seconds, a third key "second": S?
{"hour": 4, "minute": 0}
